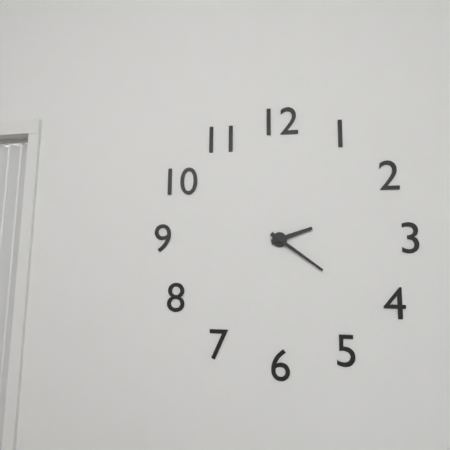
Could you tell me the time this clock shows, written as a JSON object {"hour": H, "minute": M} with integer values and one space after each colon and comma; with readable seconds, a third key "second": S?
{"hour": 2, "minute": 21}
